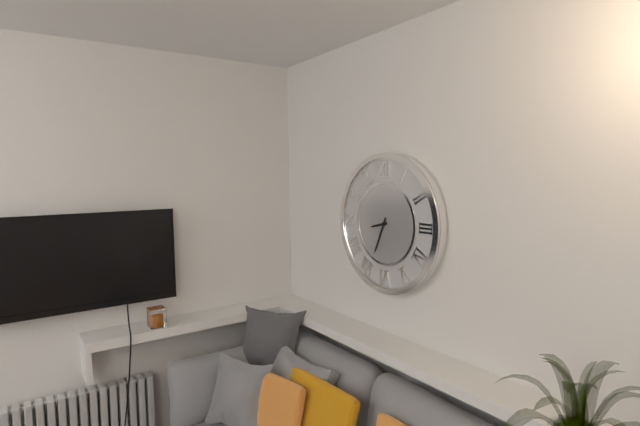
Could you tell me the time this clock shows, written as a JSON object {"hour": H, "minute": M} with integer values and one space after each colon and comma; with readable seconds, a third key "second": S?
{"hour": 8, "minute": 34}
